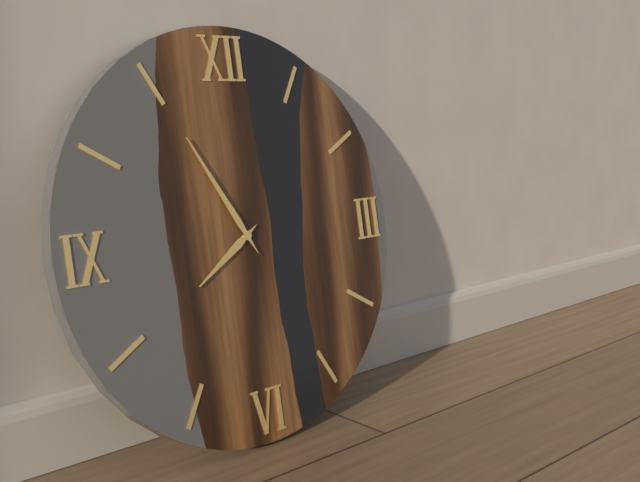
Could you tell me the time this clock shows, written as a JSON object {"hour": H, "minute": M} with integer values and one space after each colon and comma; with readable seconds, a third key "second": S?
{"hour": 7, "minute": 55}
